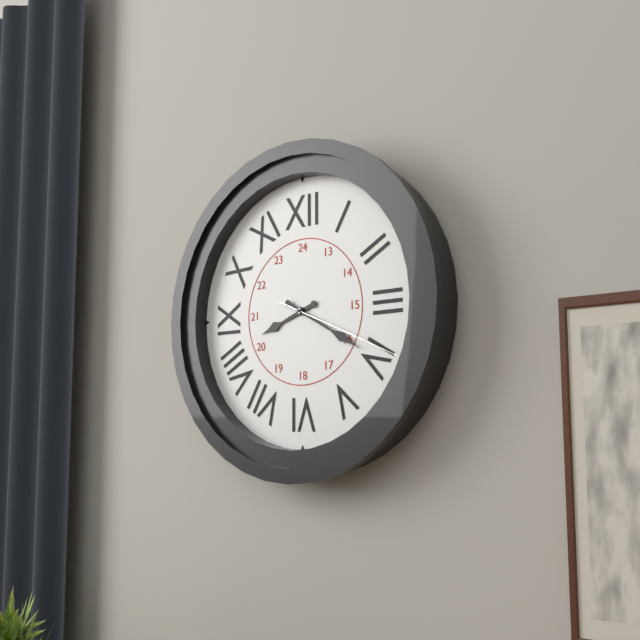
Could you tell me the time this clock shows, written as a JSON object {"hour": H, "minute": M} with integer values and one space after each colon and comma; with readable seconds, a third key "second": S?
{"hour": 8, "minute": 20, "second": 19}
